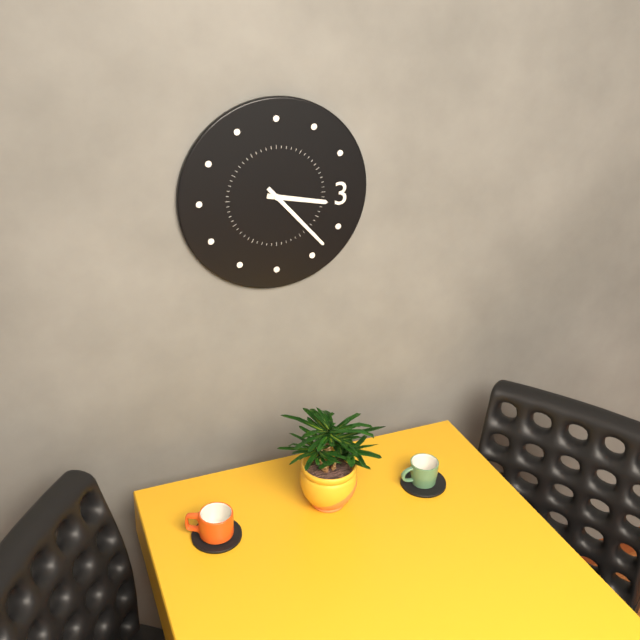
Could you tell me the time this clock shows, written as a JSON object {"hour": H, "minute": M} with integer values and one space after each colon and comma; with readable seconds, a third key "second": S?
{"hour": 3, "minute": 23}
